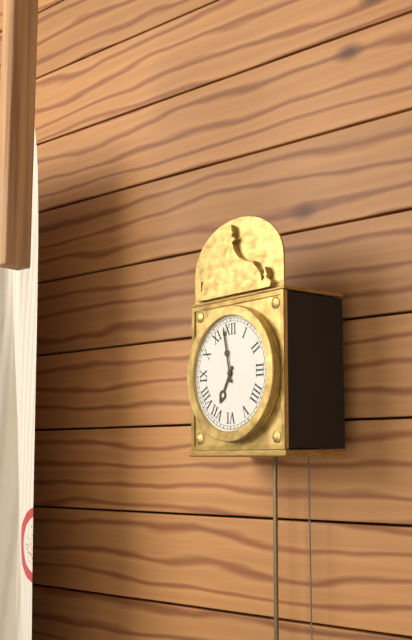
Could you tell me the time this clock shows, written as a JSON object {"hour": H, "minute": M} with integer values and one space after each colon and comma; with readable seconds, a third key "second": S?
{"hour": 6, "minute": 58}
